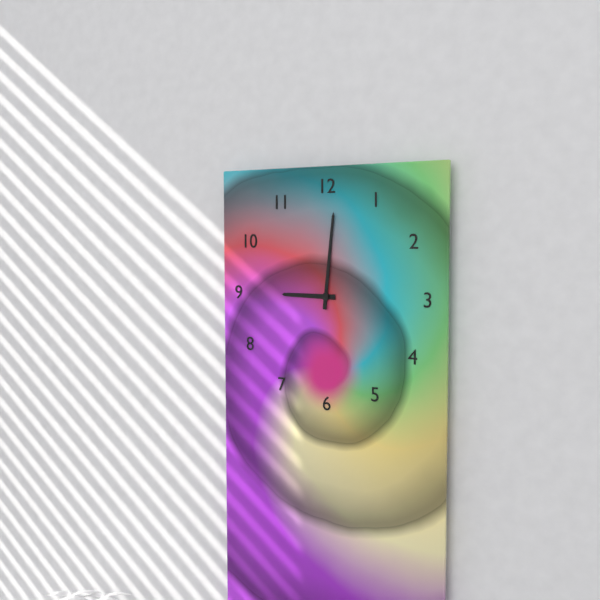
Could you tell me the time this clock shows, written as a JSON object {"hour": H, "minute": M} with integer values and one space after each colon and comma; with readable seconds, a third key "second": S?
{"hour": 9, "minute": 1}
